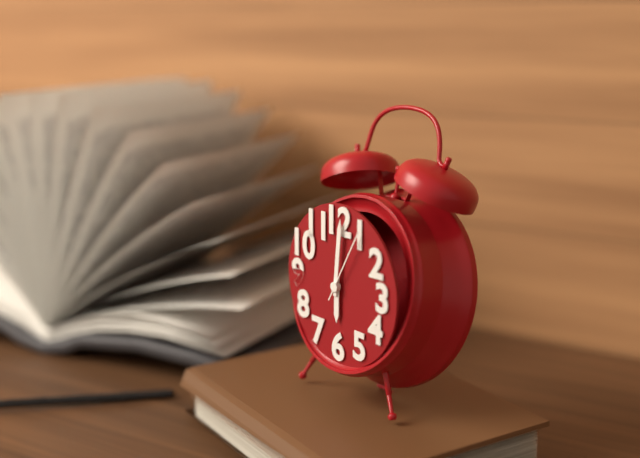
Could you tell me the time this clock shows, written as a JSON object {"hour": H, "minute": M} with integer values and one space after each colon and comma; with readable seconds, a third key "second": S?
{"hour": 6, "minute": 1, "second": 5}
